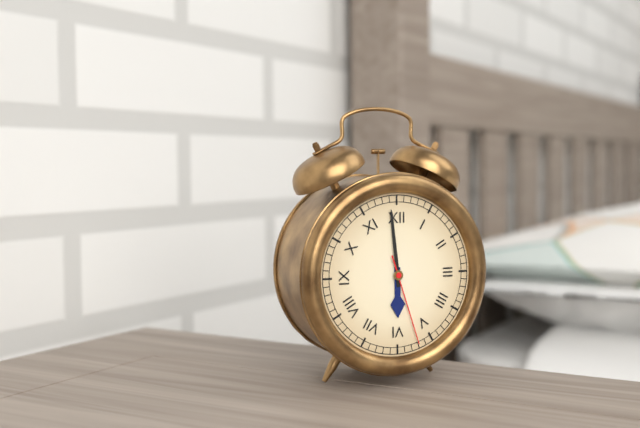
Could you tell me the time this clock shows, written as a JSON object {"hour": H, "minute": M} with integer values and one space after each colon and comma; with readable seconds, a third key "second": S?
{"hour": 5, "minute": 59, "second": 27}
